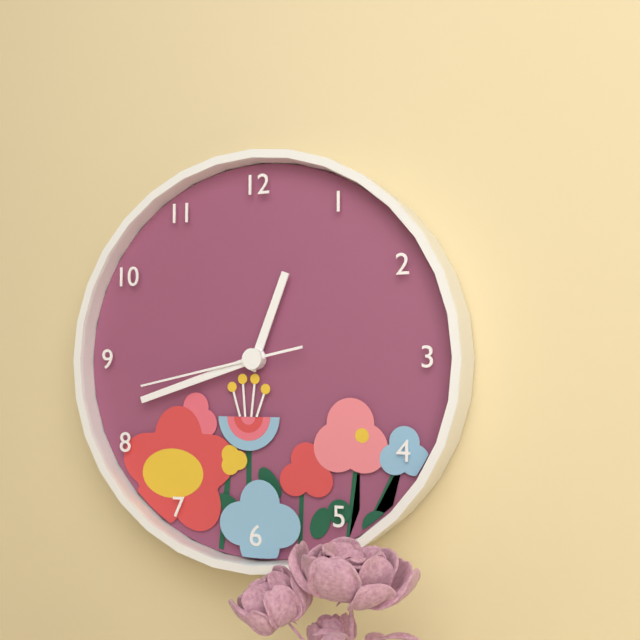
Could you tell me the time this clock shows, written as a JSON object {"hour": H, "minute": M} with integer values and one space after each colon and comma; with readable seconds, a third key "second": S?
{"hour": 12, "minute": 42, "second": 43}
